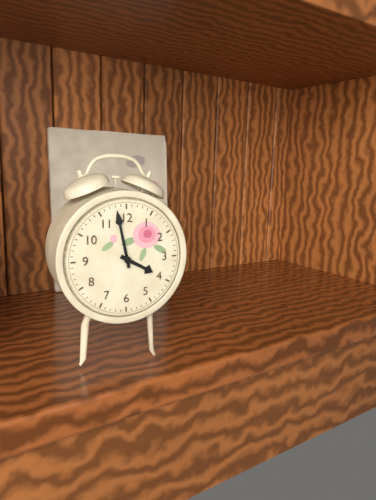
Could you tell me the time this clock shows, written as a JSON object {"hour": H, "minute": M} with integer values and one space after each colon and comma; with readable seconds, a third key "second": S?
{"hour": 3, "minute": 58}
